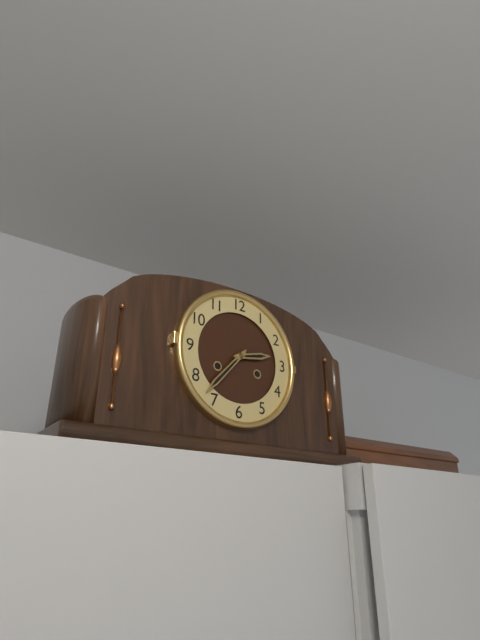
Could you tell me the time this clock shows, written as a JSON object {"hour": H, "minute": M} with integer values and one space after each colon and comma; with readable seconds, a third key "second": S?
{"hour": 2, "minute": 37}
